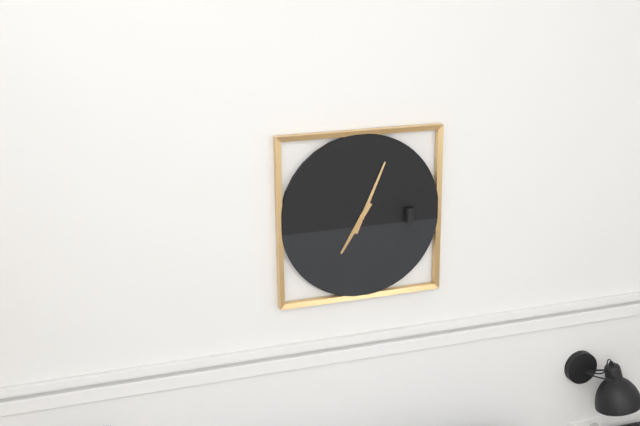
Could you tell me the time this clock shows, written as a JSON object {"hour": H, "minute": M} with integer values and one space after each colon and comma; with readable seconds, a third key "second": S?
{"hour": 7, "minute": 4}
